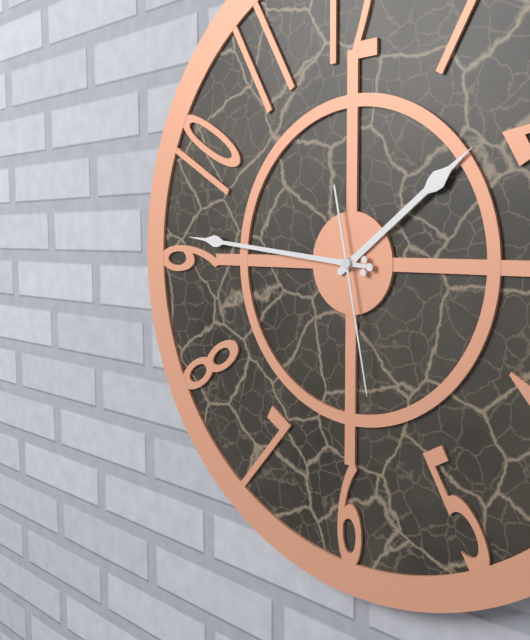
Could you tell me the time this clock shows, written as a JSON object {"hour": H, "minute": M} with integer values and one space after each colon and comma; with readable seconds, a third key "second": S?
{"hour": 1, "minute": 46, "second": 28}
